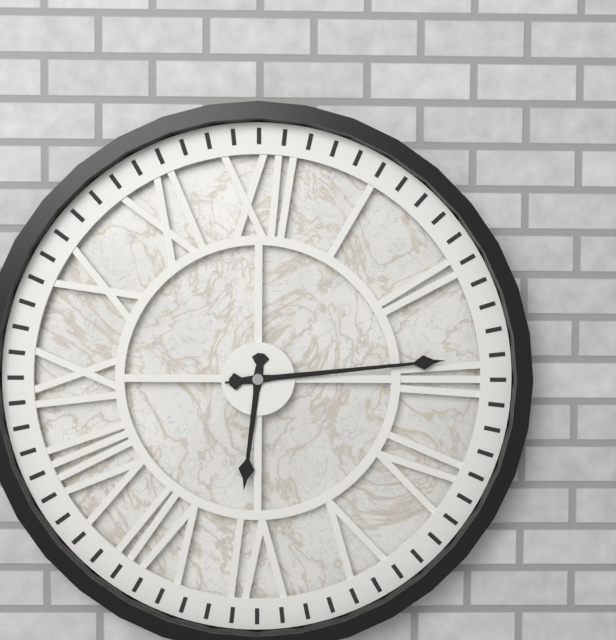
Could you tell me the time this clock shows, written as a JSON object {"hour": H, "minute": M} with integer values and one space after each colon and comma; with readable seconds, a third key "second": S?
{"hour": 6, "minute": 14, "second": 14}
